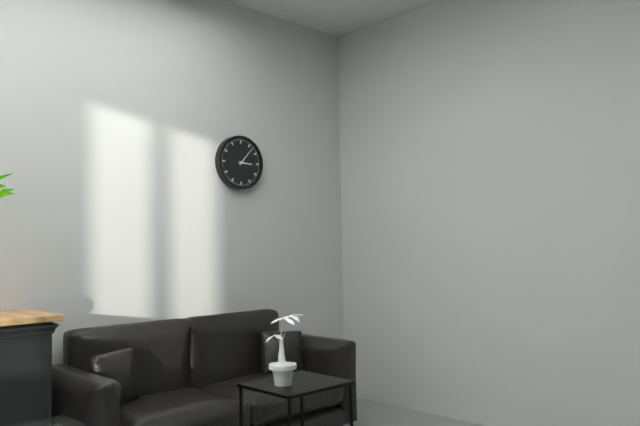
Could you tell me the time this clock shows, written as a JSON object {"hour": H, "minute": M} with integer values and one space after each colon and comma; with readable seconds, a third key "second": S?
{"hour": 3, "minute": 7}
